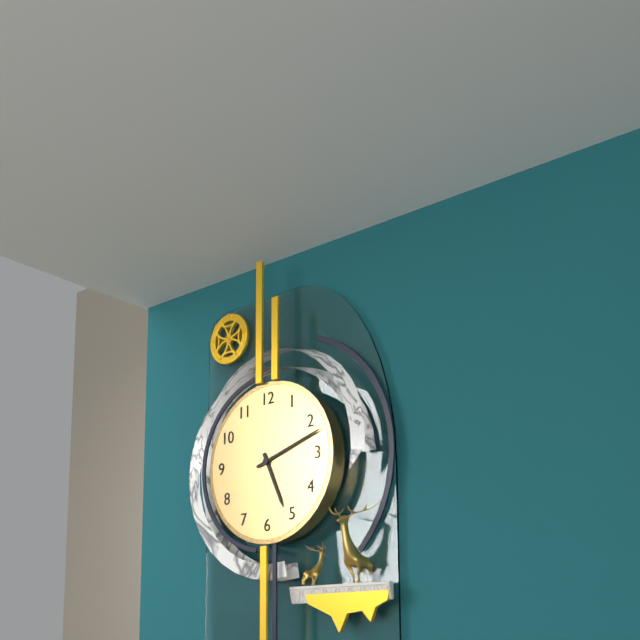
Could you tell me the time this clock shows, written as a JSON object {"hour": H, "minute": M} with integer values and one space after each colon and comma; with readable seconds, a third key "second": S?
{"hour": 5, "minute": 12}
